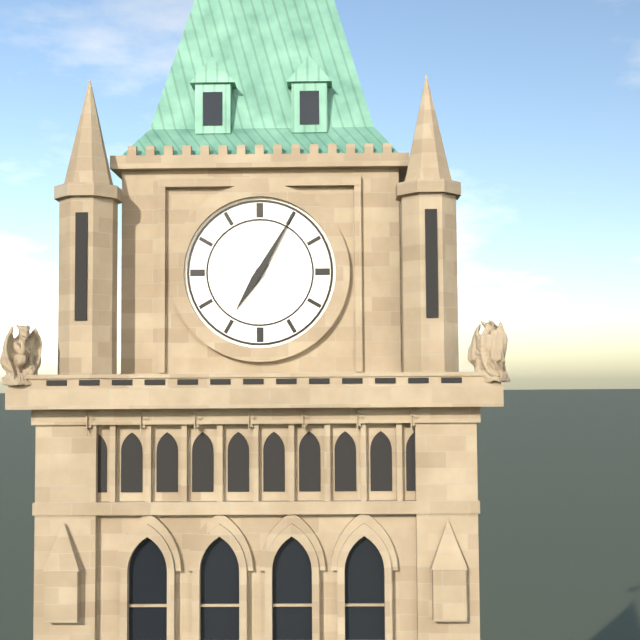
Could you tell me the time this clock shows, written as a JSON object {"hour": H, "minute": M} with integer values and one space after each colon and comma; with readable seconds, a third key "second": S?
{"hour": 7, "minute": 5}
